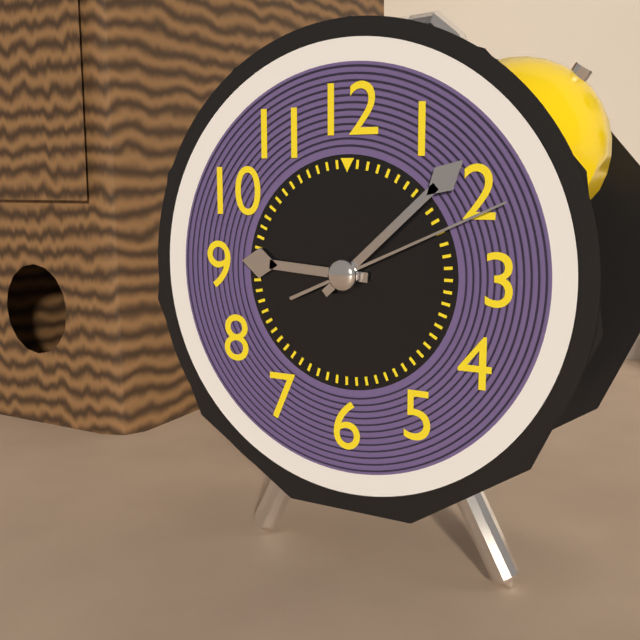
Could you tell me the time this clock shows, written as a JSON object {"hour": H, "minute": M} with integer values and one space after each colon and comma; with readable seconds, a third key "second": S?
{"hour": 9, "minute": 8, "second": 11}
